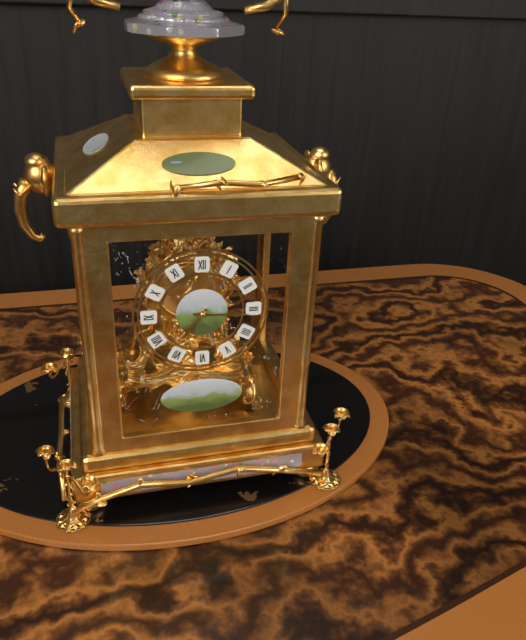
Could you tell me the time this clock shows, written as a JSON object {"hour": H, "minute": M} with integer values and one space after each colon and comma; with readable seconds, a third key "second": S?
{"hour": 7, "minute": 16}
